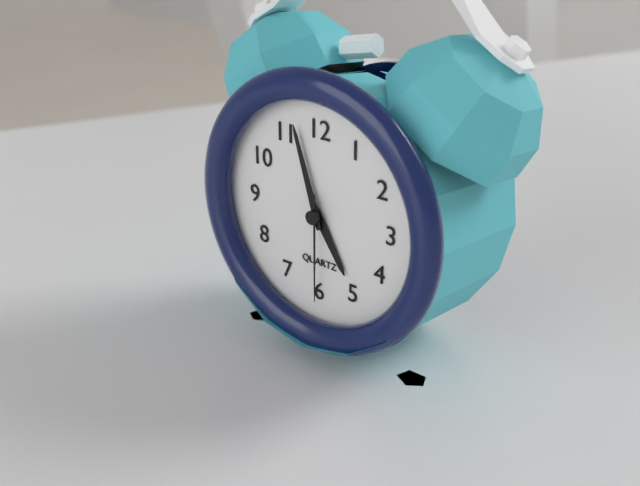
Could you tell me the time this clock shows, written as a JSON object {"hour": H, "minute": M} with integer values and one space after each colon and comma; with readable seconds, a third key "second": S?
{"hour": 4, "minute": 57, "second": 30}
